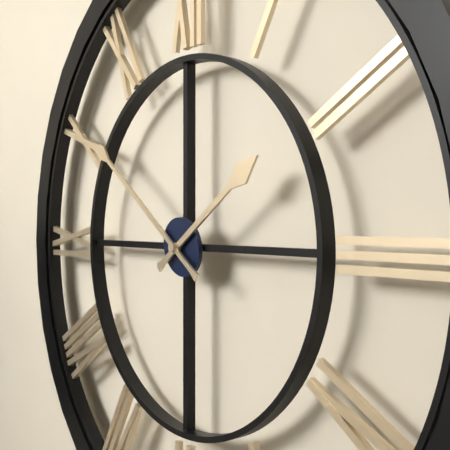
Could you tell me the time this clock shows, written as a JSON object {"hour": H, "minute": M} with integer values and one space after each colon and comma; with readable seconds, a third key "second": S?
{"hour": 1, "minute": 51}
